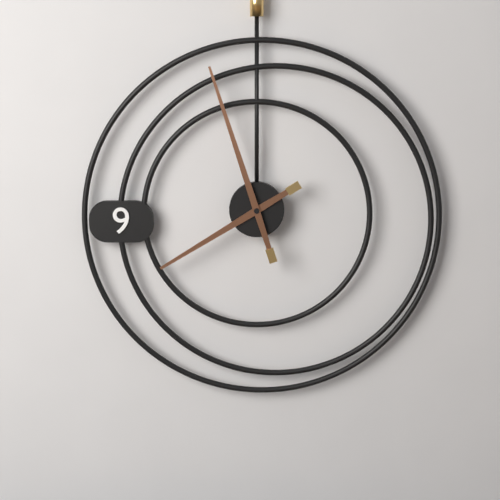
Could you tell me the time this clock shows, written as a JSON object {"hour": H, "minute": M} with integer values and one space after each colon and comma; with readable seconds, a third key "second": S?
{"hour": 7, "minute": 57}
